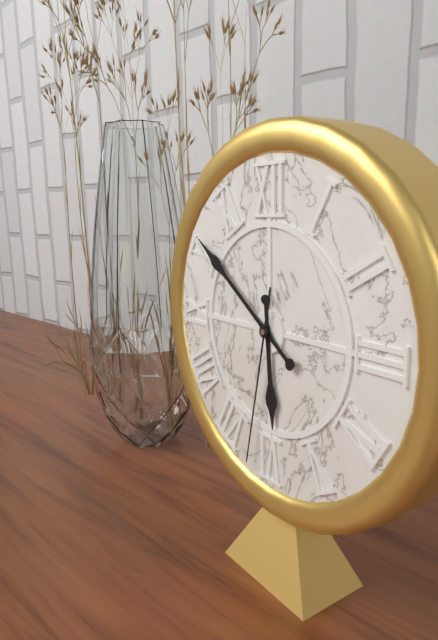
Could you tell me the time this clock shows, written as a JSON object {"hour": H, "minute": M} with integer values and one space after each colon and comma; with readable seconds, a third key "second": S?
{"hour": 5, "minute": 51, "second": 32}
